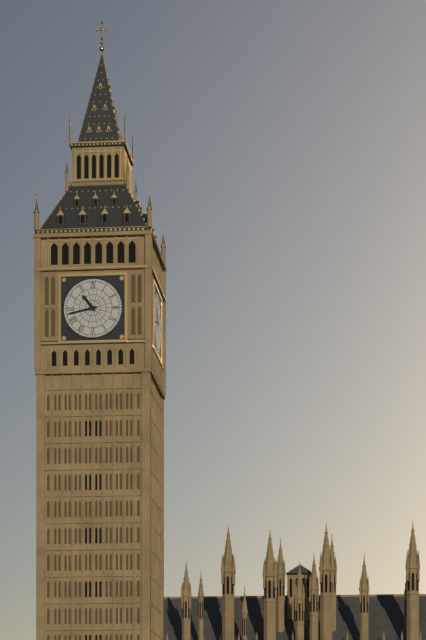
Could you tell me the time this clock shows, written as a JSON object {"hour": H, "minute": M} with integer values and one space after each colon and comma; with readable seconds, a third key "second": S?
{"hour": 10, "minute": 43}
